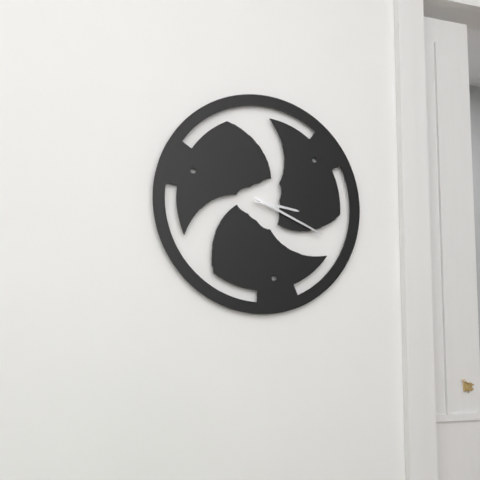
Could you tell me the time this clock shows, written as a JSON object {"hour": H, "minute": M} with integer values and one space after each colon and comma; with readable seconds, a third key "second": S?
{"hour": 3, "minute": 19}
